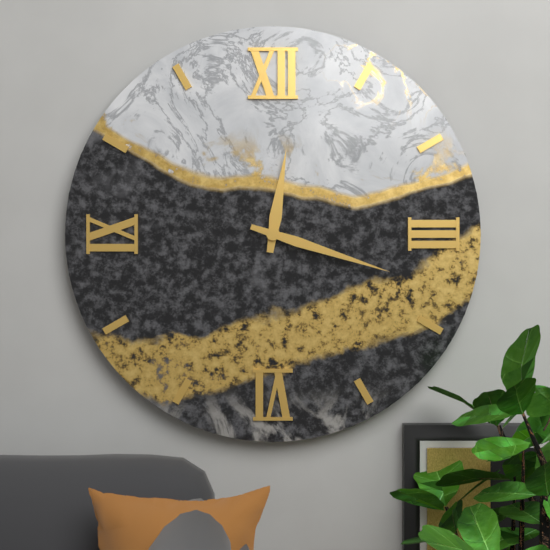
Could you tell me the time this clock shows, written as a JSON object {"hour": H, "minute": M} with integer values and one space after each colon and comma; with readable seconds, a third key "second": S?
{"hour": 12, "minute": 18}
